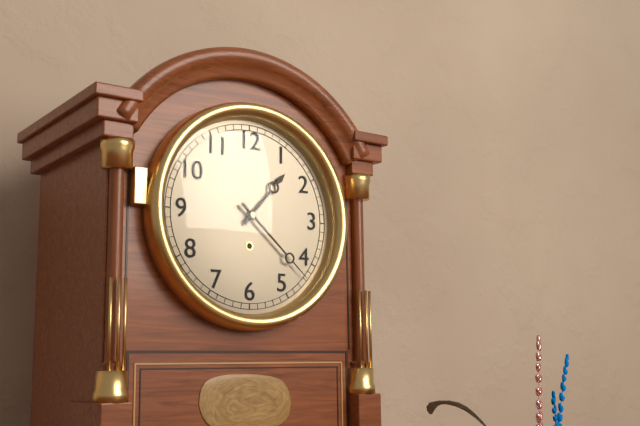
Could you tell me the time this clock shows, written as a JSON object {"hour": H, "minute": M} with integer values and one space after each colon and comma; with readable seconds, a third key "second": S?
{"hour": 1, "minute": 22}
